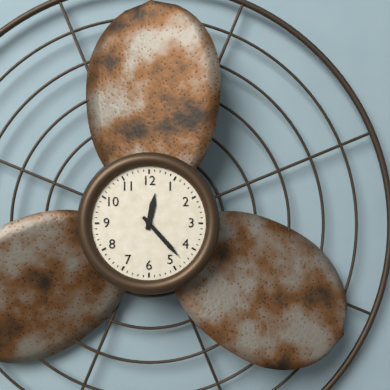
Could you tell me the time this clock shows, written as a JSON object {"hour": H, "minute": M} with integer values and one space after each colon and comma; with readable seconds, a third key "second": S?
{"hour": 12, "minute": 23}
